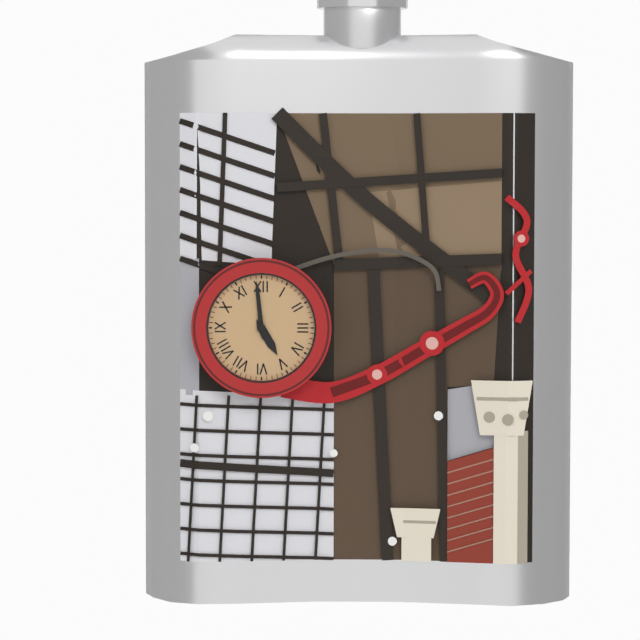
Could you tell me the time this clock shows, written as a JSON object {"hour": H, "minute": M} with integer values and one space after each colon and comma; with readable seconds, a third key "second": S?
{"hour": 4, "minute": 59}
